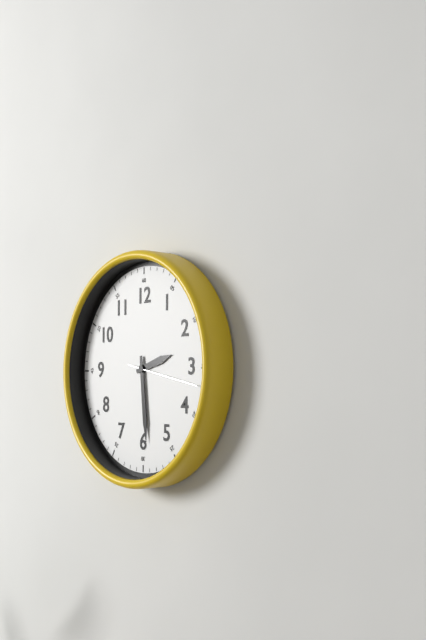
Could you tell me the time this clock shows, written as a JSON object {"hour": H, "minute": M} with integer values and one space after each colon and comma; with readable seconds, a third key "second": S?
{"hour": 2, "minute": 29, "second": 17}
